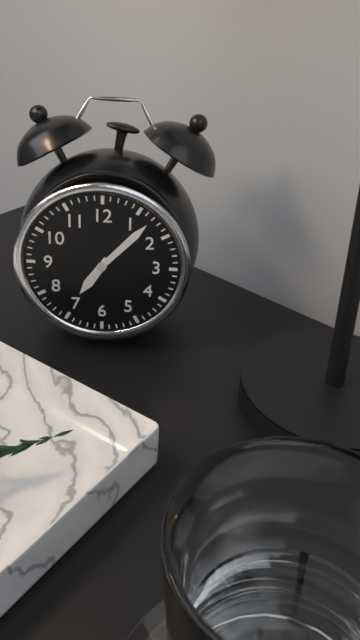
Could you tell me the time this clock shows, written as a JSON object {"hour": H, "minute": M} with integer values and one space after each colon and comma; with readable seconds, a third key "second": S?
{"hour": 7, "minute": 7}
